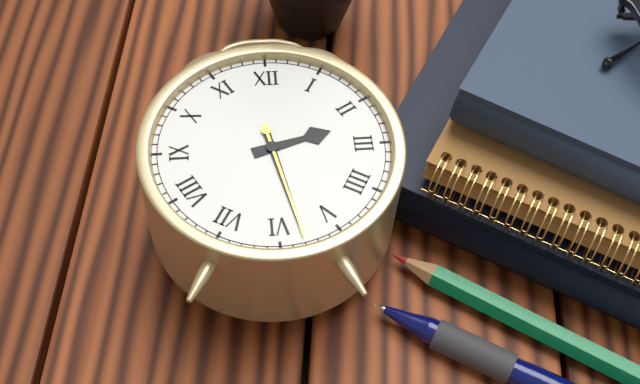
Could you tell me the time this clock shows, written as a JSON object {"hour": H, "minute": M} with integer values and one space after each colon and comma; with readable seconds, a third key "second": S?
{"hour": 2, "minute": 28, "second": 28}
